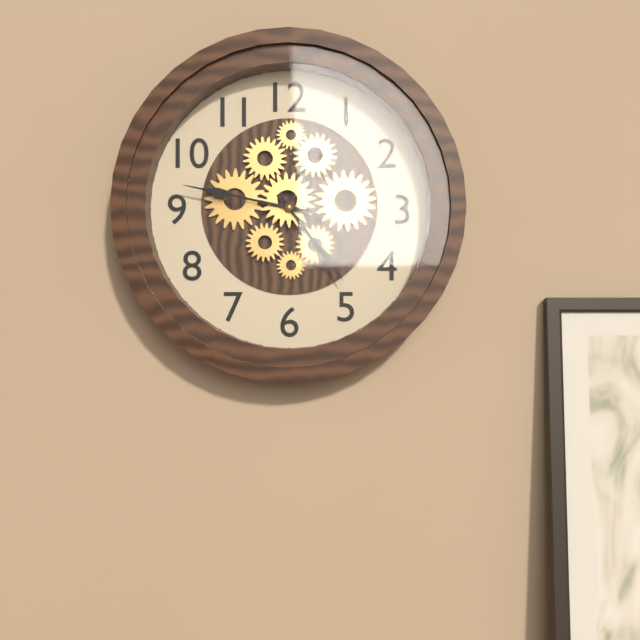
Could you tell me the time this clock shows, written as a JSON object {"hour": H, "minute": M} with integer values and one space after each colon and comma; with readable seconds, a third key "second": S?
{"hour": 4, "minute": 47}
